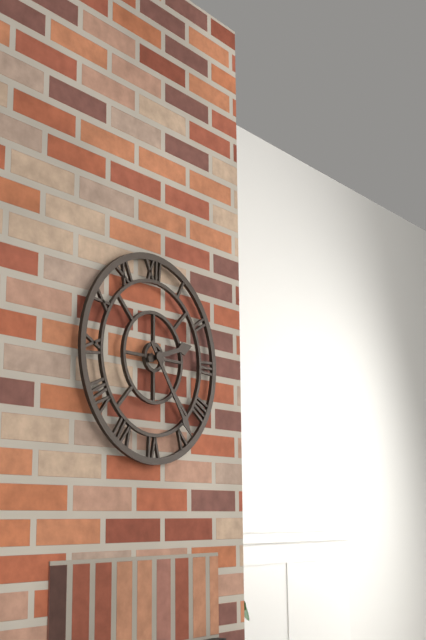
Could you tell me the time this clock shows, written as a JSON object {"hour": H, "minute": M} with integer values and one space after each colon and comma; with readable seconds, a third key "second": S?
{"hour": 2, "minute": 24}
